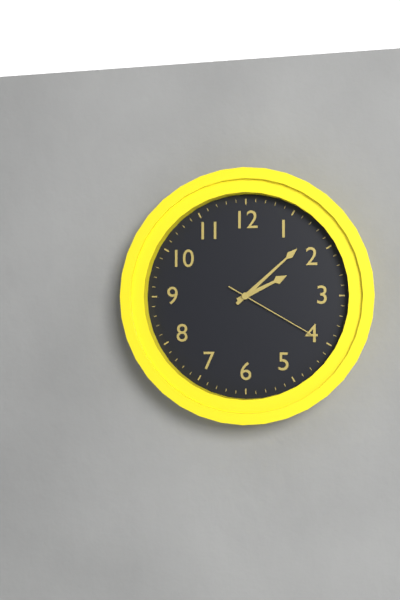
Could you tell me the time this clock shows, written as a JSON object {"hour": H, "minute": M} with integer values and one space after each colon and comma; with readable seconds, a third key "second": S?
{"hour": 2, "minute": 8, "second": 20}
